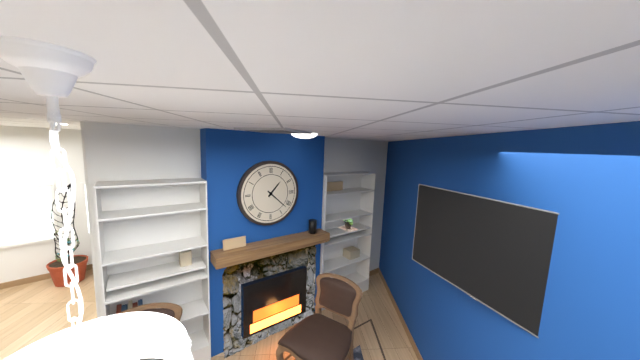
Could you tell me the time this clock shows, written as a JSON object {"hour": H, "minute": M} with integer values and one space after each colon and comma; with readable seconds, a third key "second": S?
{"hour": 1, "minute": 22}
